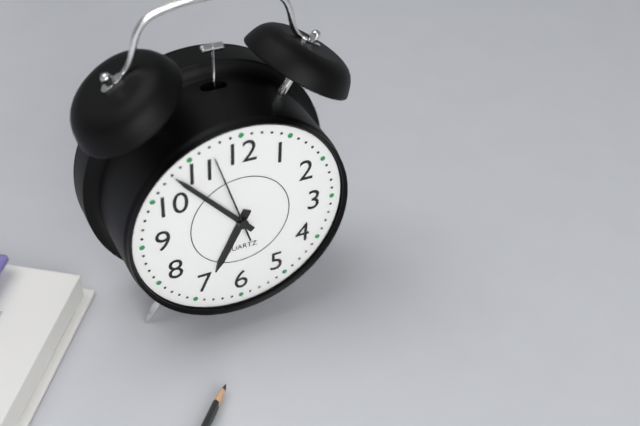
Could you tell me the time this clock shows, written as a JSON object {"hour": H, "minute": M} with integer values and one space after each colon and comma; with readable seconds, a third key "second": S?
{"hour": 6, "minute": 53, "second": 57}
